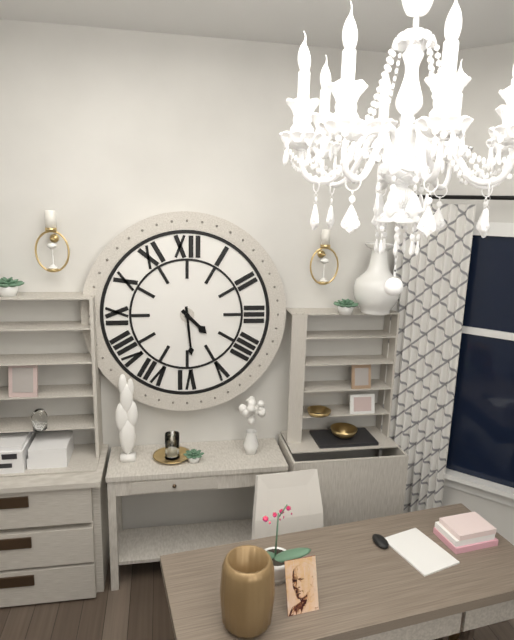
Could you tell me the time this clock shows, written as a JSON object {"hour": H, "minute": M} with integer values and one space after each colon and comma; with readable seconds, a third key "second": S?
{"hour": 4, "minute": 29}
